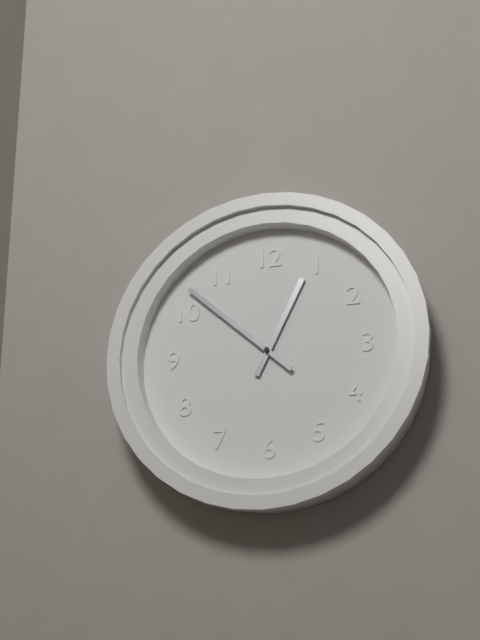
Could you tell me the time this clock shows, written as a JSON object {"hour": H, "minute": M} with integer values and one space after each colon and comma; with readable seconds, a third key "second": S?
{"hour": 12, "minute": 52}
